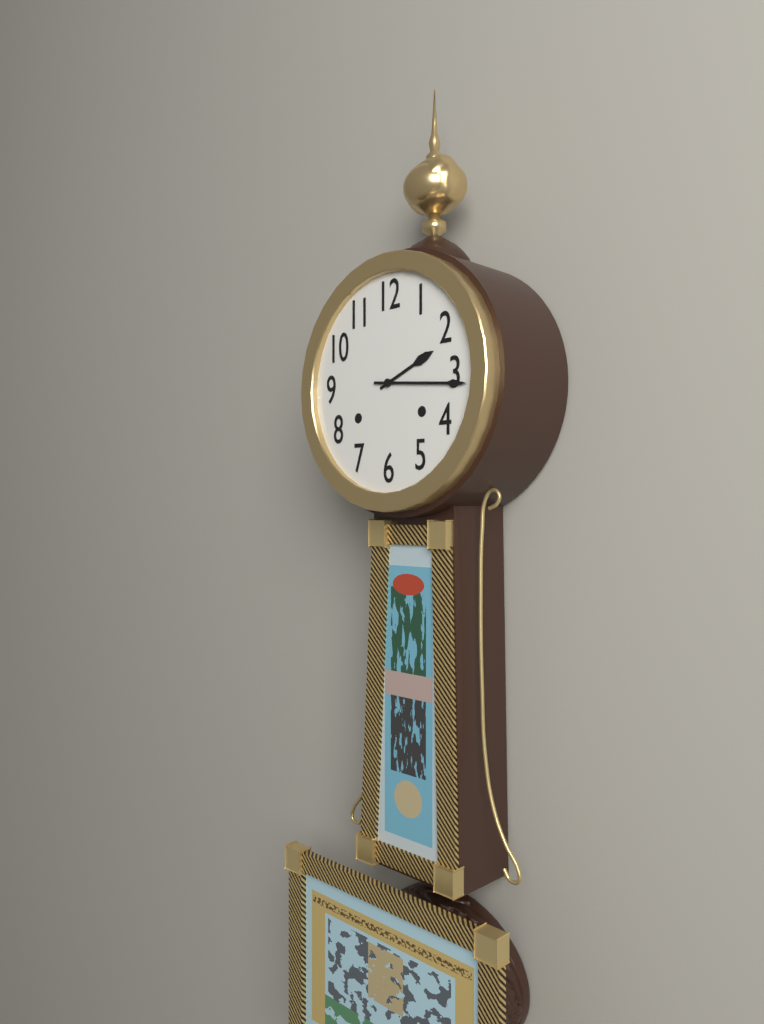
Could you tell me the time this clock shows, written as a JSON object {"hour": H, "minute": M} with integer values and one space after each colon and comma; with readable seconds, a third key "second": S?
{"hour": 2, "minute": 16}
